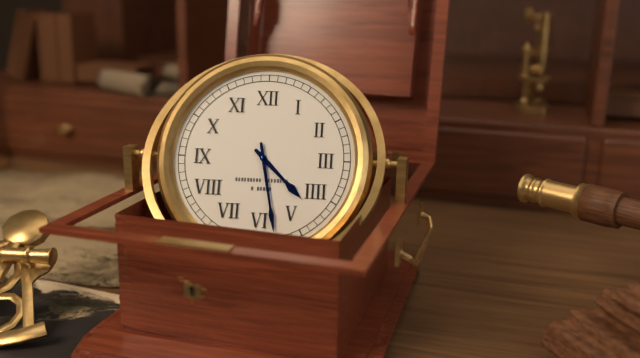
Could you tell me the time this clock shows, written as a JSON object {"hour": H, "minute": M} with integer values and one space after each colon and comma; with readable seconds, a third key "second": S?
{"hour": 4, "minute": 28}
